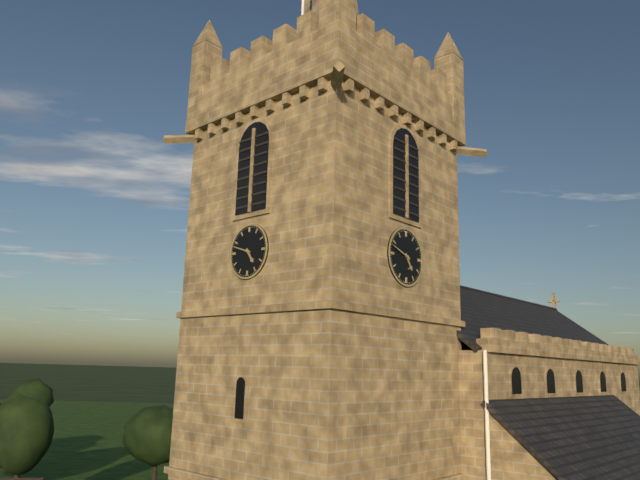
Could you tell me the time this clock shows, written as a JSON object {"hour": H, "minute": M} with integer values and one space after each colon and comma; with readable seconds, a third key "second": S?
{"hour": 4, "minute": 48}
